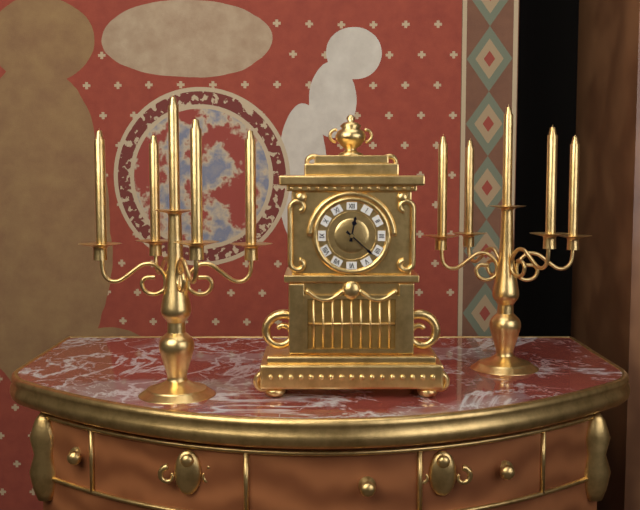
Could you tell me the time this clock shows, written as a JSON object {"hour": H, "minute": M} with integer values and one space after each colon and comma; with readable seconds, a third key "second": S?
{"hour": 12, "minute": 22}
